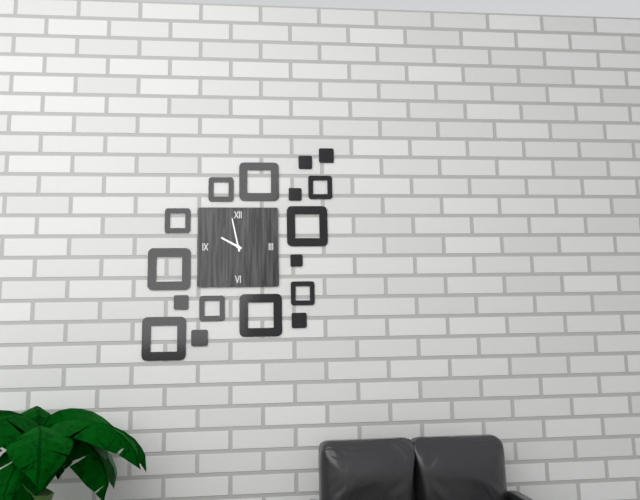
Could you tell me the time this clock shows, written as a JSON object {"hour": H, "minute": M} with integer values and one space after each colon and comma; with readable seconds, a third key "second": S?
{"hour": 9, "minute": 58}
